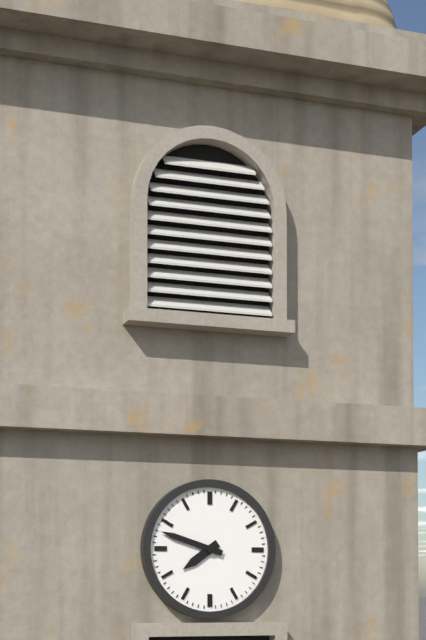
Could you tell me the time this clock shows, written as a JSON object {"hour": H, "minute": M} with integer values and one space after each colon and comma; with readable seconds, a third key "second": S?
{"hour": 7, "minute": 48}
